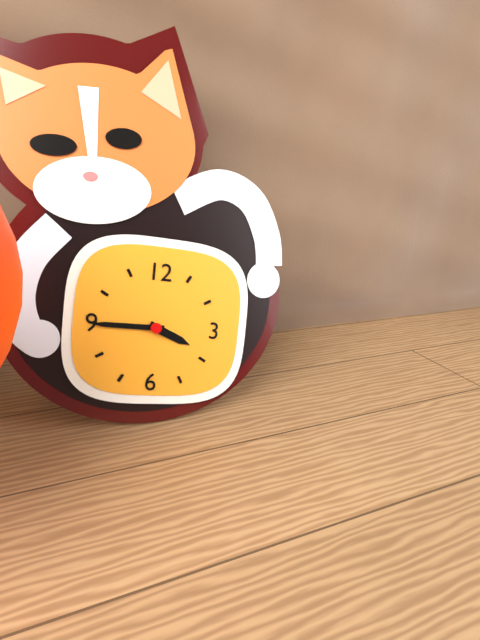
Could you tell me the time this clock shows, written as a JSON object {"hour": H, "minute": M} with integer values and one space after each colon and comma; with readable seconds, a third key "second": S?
{"hour": 3, "minute": 45}
